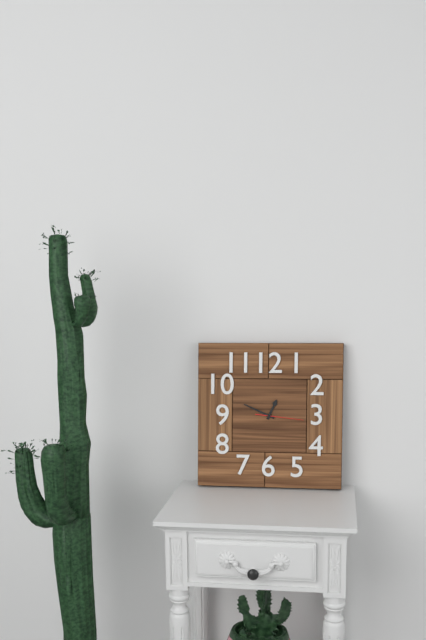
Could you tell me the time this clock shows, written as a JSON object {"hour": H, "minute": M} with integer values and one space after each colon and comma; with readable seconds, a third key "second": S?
{"hour": 12, "minute": 49}
